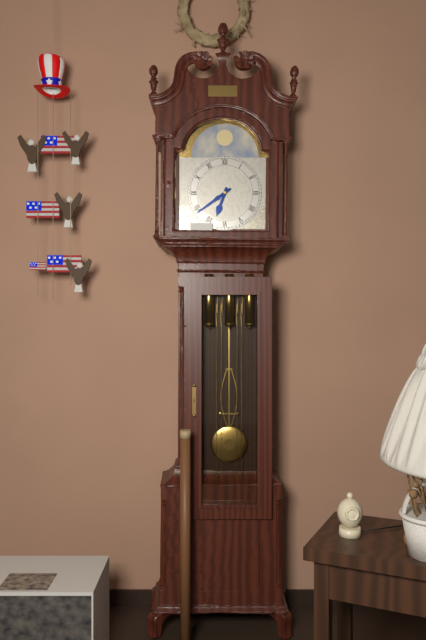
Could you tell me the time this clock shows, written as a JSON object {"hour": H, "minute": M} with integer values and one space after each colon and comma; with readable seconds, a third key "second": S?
{"hour": 6, "minute": 39}
